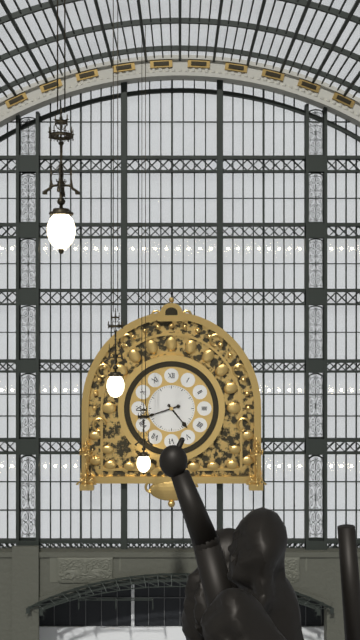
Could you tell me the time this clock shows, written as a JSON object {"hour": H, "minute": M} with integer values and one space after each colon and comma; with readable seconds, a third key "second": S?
{"hour": 4, "minute": 42}
